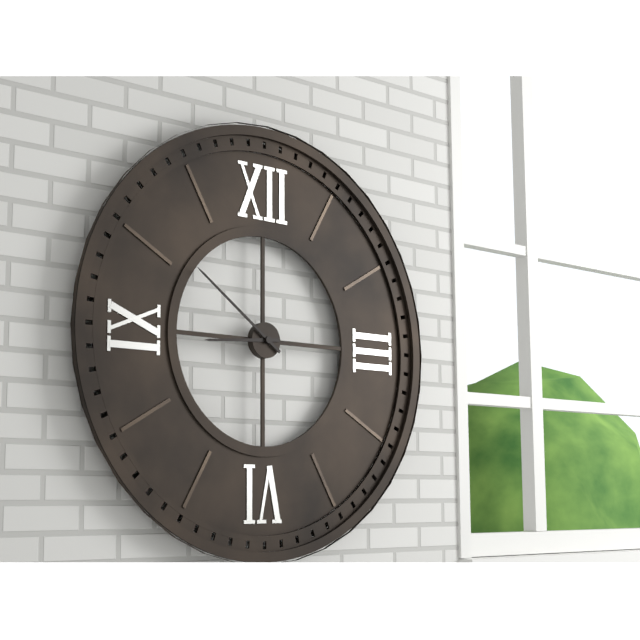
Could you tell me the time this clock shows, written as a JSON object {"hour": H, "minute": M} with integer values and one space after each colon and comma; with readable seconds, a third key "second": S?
{"hour": 8, "minute": 51}
